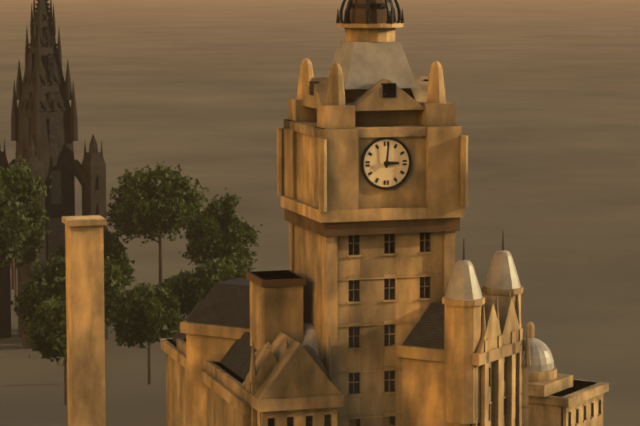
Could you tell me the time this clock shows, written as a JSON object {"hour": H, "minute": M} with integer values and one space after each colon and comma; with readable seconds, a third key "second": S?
{"hour": 3, "minute": 1}
